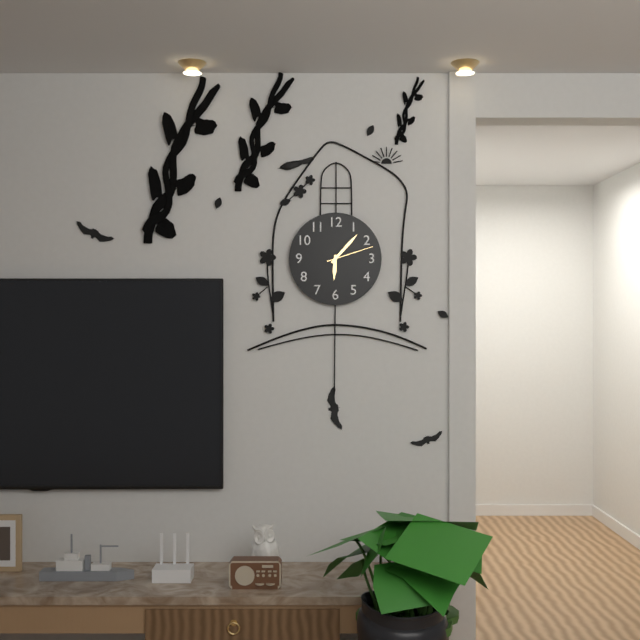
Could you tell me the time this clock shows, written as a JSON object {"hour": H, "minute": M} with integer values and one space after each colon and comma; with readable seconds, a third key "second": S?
{"hour": 6, "minute": 7}
